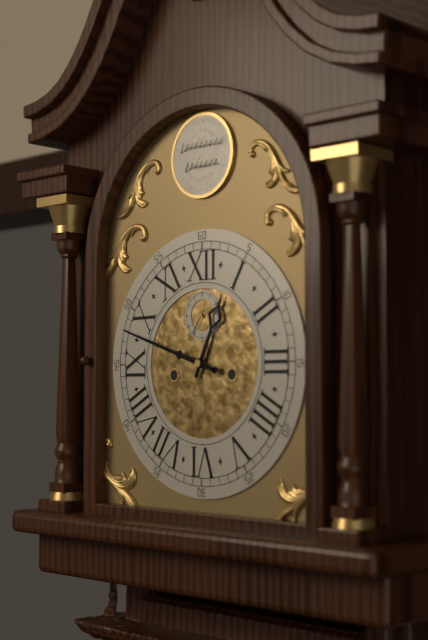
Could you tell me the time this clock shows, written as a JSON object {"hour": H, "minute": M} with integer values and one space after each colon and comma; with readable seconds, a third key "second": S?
{"hour": 12, "minute": 48, "second": 36}
